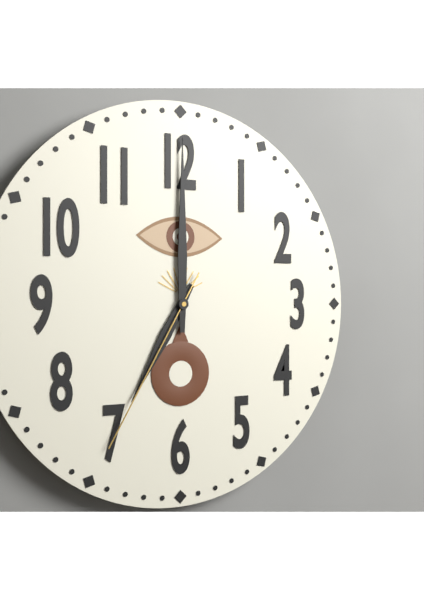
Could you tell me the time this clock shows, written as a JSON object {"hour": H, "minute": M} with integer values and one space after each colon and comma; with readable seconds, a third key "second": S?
{"hour": 7, "minute": 0, "second": 35}
